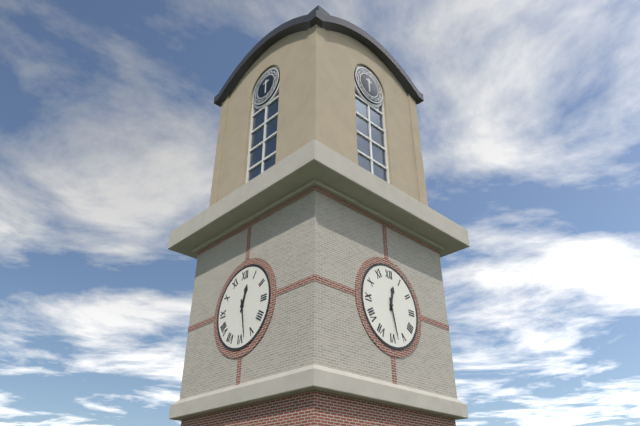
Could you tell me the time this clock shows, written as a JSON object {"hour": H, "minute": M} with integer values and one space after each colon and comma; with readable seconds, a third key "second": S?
{"hour": 12, "minute": 28}
